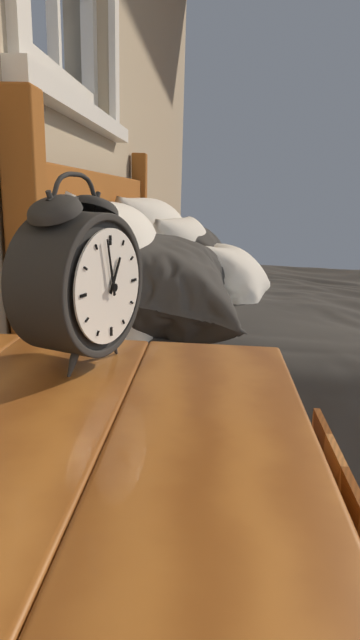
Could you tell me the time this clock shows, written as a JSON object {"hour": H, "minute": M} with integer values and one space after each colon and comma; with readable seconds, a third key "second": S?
{"hour": 12, "minute": 58}
